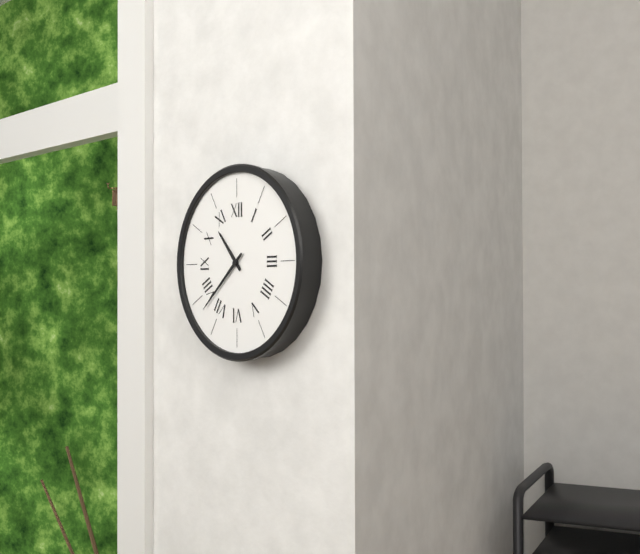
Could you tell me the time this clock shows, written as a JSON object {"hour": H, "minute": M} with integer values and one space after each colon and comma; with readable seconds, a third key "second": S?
{"hour": 10, "minute": 38}
